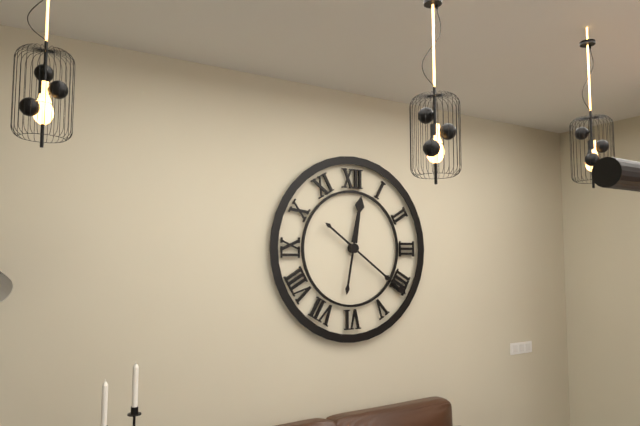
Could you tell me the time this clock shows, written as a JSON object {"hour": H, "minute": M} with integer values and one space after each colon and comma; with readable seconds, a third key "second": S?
{"hour": 12, "minute": 21}
